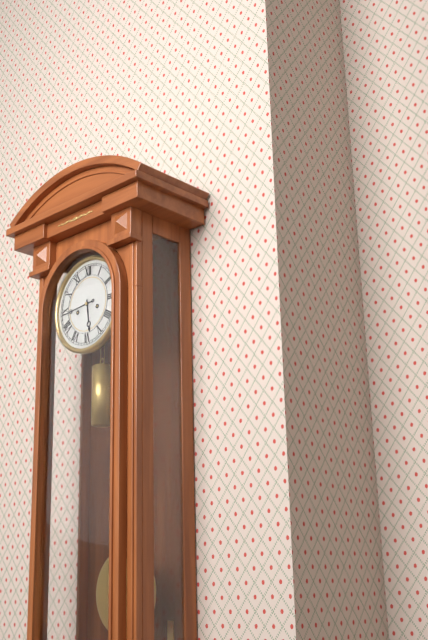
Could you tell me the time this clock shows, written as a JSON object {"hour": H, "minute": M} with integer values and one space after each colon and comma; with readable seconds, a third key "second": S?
{"hour": 5, "minute": 44}
